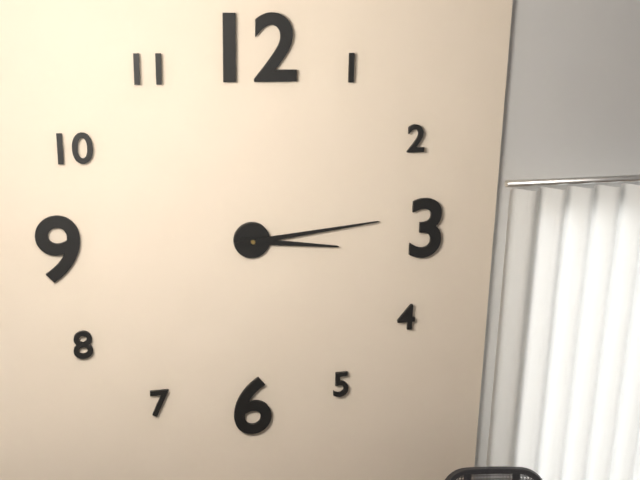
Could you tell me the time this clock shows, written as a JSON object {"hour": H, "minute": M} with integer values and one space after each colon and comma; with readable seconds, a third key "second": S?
{"hour": 3, "minute": 14}
